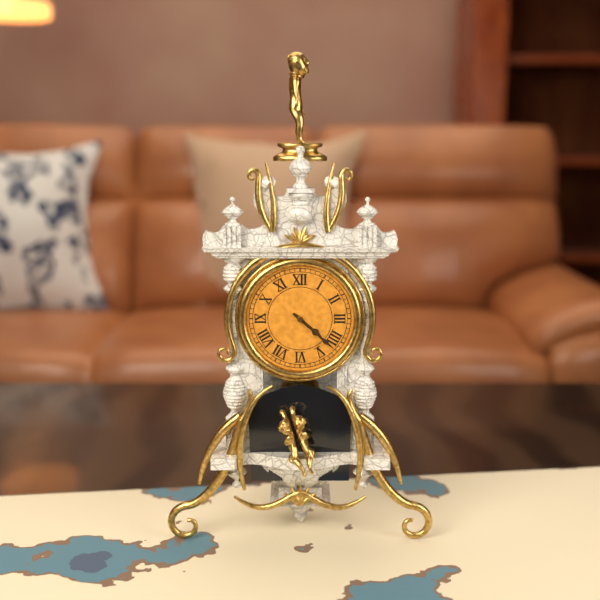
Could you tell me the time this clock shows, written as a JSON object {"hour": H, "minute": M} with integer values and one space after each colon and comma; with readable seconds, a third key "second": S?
{"hour": 4, "minute": 22}
